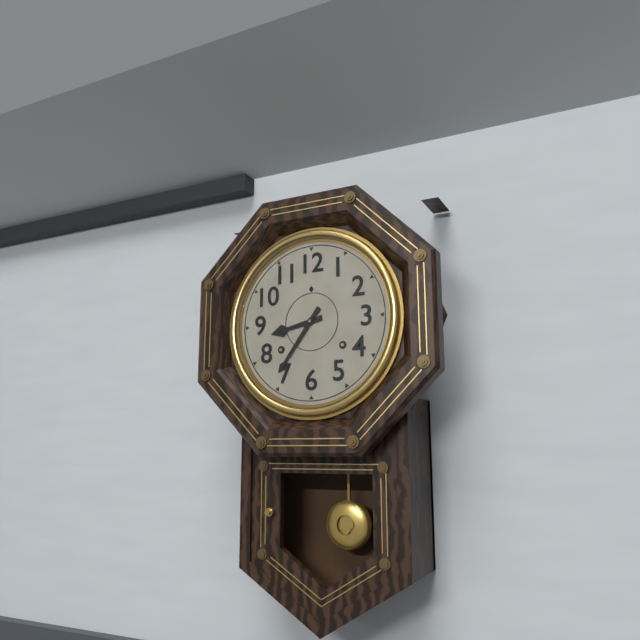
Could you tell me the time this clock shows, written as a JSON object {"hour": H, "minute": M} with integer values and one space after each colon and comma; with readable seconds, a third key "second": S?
{"hour": 8, "minute": 36}
